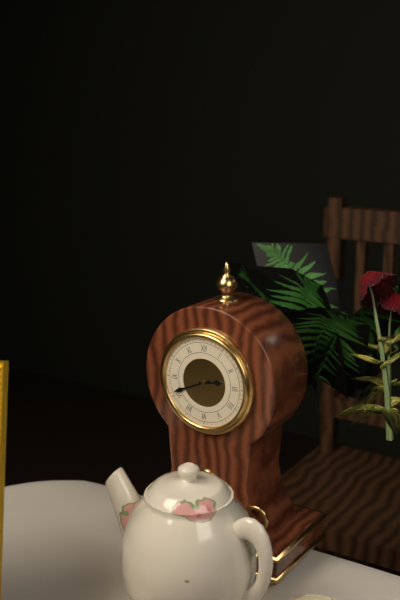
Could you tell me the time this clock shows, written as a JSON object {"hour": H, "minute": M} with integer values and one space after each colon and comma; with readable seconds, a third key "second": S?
{"hour": 2, "minute": 41}
